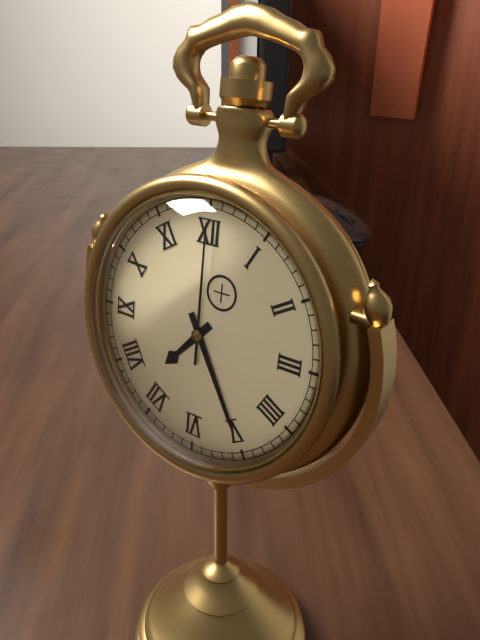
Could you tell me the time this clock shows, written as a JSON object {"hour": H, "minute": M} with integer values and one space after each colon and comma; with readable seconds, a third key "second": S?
{"hour": 7, "minute": 25, "second": 0}
